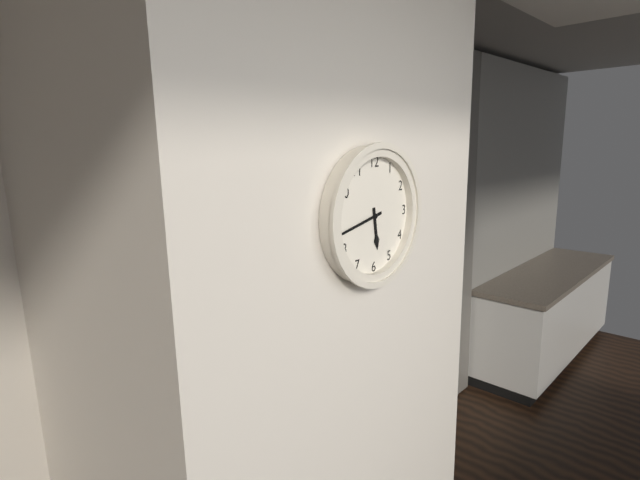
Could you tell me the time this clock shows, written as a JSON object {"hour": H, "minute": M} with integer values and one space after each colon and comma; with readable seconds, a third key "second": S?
{"hour": 5, "minute": 43}
